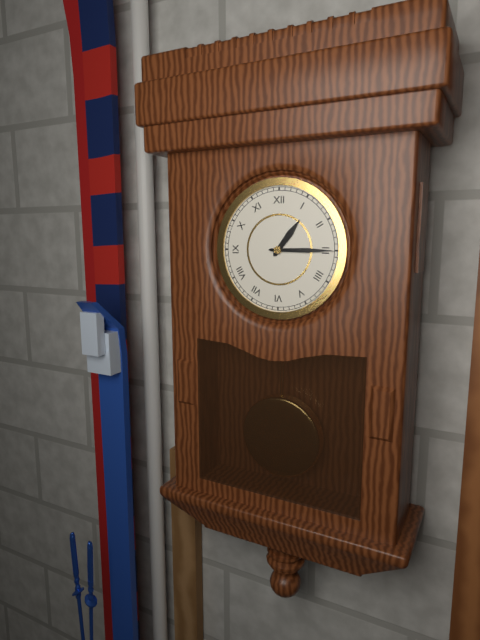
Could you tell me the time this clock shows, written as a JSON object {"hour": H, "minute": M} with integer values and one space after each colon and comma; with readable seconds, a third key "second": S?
{"hour": 1, "minute": 15}
